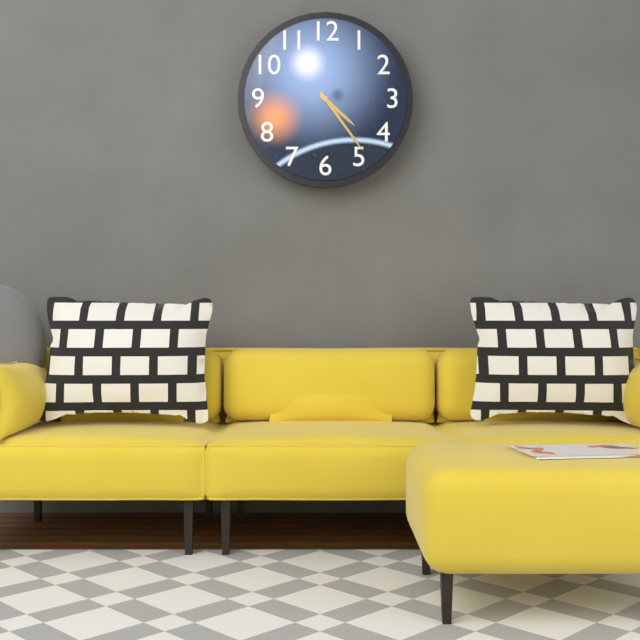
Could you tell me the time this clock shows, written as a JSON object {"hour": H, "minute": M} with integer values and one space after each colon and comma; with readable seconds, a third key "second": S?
{"hour": 4, "minute": 24}
